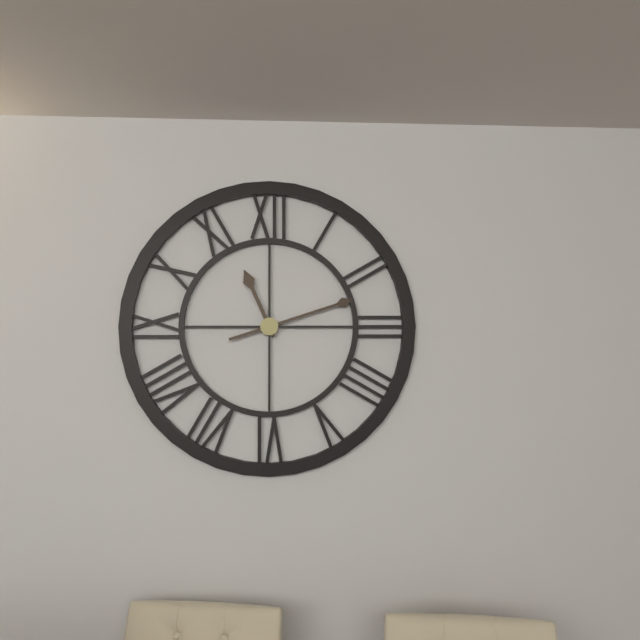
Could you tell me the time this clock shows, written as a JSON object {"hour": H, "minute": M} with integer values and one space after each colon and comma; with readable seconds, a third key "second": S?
{"hour": 11, "minute": 12}
